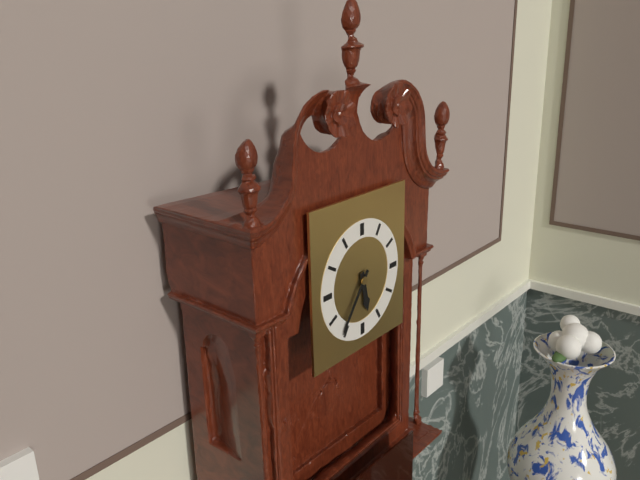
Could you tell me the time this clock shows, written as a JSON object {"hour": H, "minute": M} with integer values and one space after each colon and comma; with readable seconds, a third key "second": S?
{"hour": 5, "minute": 36}
